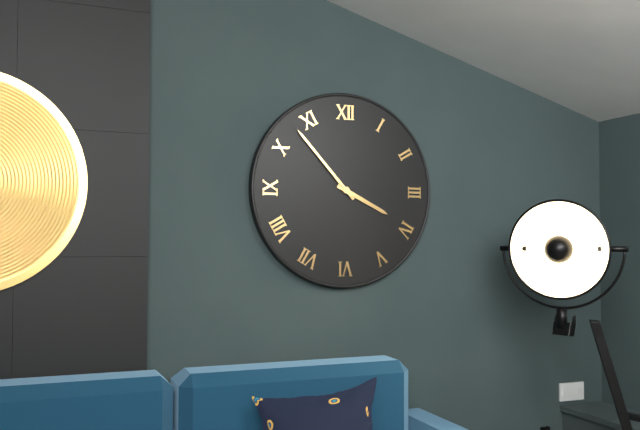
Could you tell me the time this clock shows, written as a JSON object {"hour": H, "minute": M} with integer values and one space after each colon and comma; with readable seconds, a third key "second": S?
{"hour": 3, "minute": 53}
